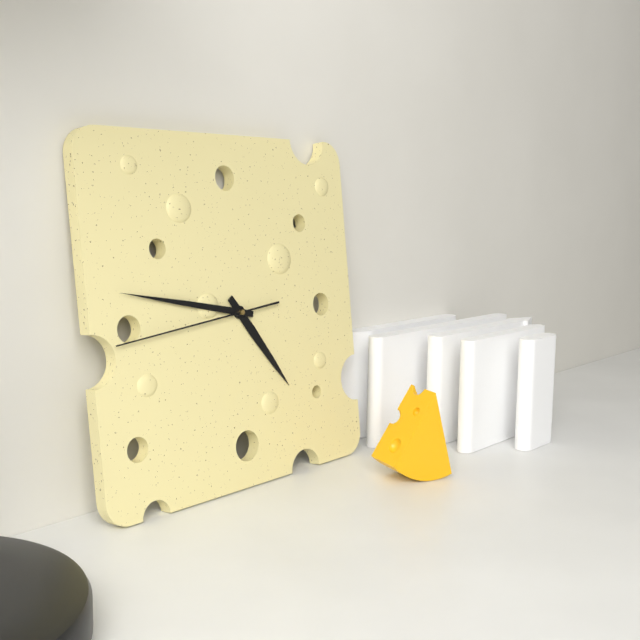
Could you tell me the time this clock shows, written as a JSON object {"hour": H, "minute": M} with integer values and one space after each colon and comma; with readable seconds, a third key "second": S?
{"hour": 4, "minute": 47, "second": 44}
